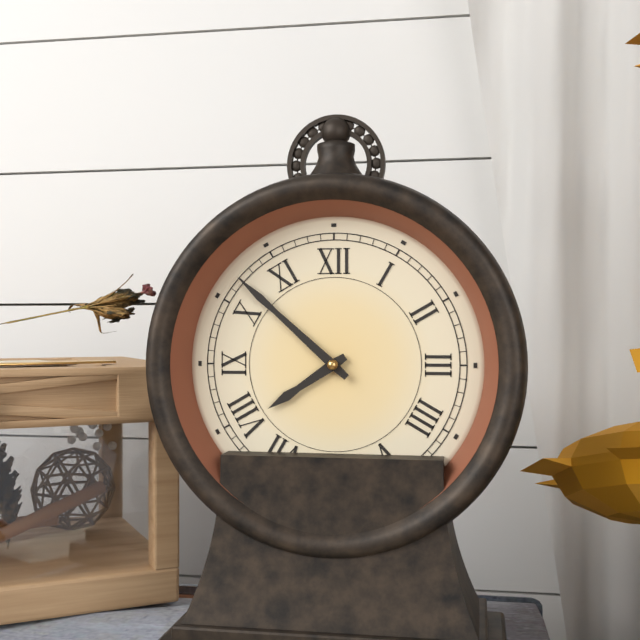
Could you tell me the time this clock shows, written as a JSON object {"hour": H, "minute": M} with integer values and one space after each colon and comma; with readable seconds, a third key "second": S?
{"hour": 7, "minute": 52}
